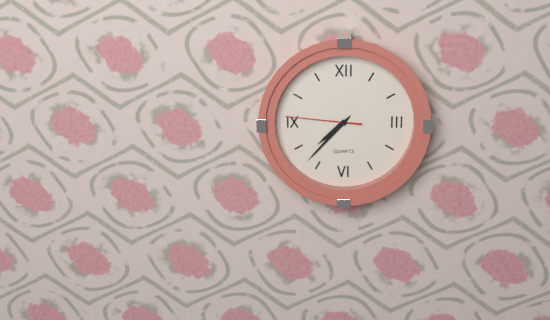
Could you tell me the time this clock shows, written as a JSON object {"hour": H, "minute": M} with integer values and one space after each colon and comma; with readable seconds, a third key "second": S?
{"hour": 7, "minute": 37, "second": 46}
